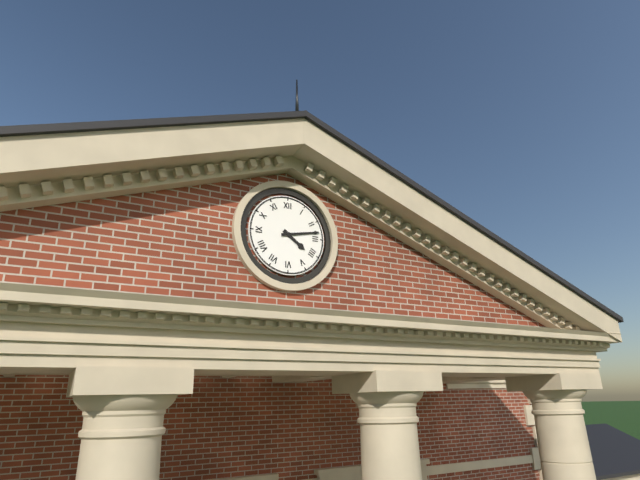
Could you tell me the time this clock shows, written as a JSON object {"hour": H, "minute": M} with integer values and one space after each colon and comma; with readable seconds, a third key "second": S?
{"hour": 4, "minute": 13}
